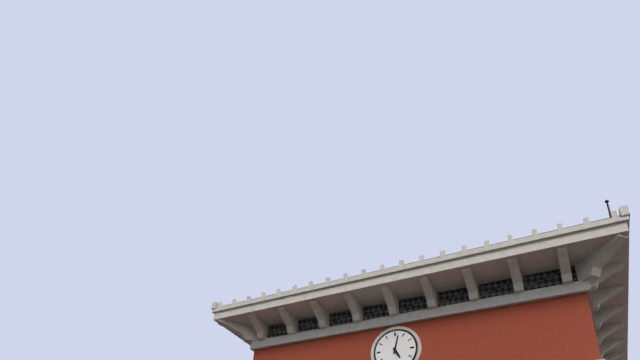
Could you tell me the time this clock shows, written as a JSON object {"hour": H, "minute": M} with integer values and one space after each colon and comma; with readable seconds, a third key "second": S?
{"hour": 5, "minute": 2}
